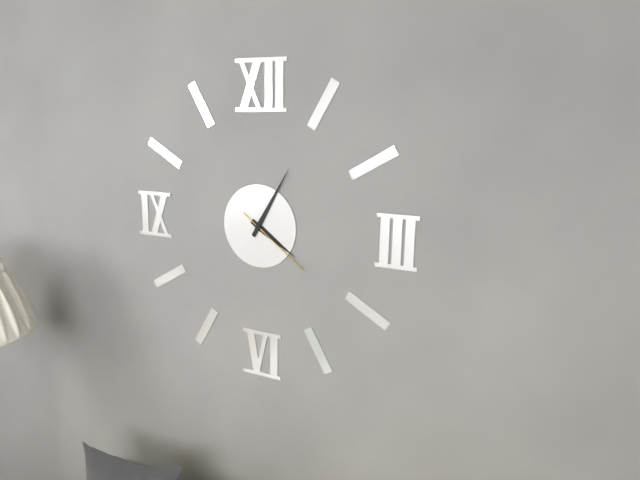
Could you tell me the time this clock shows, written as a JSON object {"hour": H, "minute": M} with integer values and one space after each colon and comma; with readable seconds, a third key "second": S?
{"hour": 4, "minute": 5, "second": 21}
